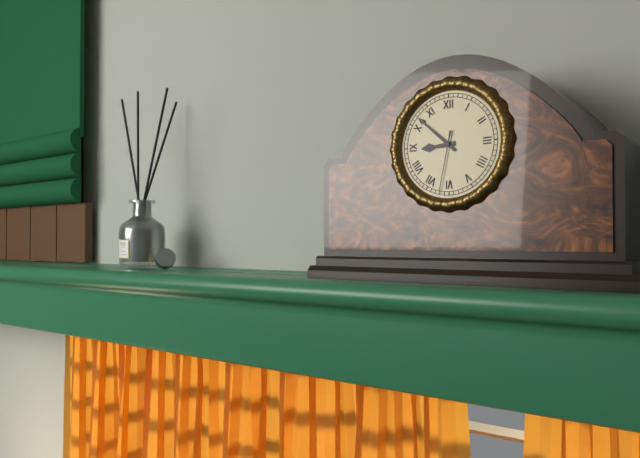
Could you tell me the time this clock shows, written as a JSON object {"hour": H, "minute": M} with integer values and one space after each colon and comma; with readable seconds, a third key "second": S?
{"hour": 8, "minute": 52, "second": 32}
